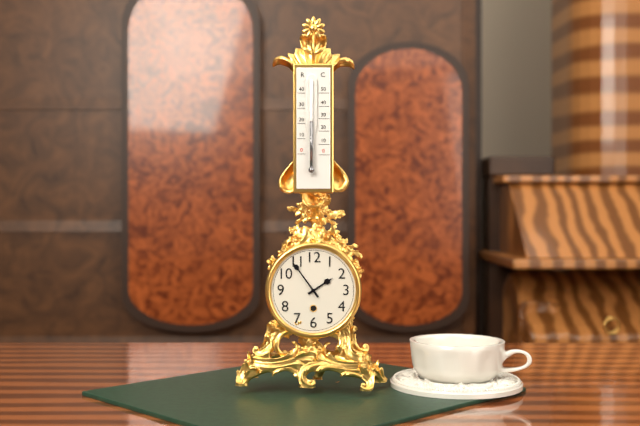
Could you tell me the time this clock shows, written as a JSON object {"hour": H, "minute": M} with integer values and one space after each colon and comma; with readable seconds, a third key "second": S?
{"hour": 1, "minute": 54}
